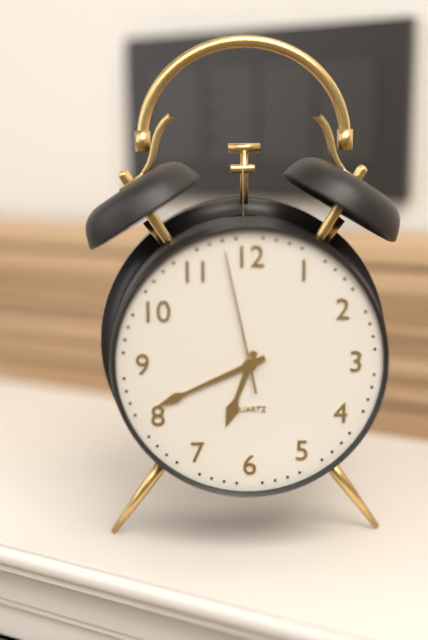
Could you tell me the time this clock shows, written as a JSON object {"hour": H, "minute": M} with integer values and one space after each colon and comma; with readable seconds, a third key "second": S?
{"hour": 6, "minute": 41, "second": 58}
